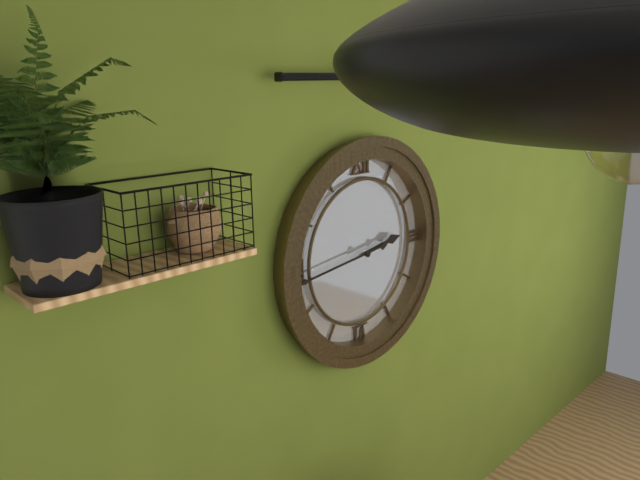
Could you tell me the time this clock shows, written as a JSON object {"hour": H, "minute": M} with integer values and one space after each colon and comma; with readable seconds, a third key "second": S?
{"hour": 2, "minute": 44}
